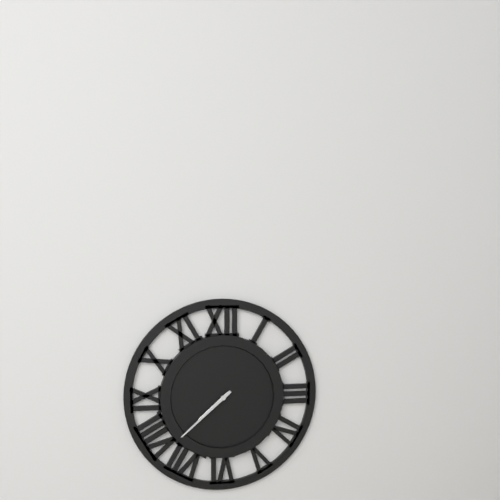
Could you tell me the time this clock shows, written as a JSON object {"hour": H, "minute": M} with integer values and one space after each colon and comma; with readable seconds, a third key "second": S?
{"hour": 7, "minute": 38}
